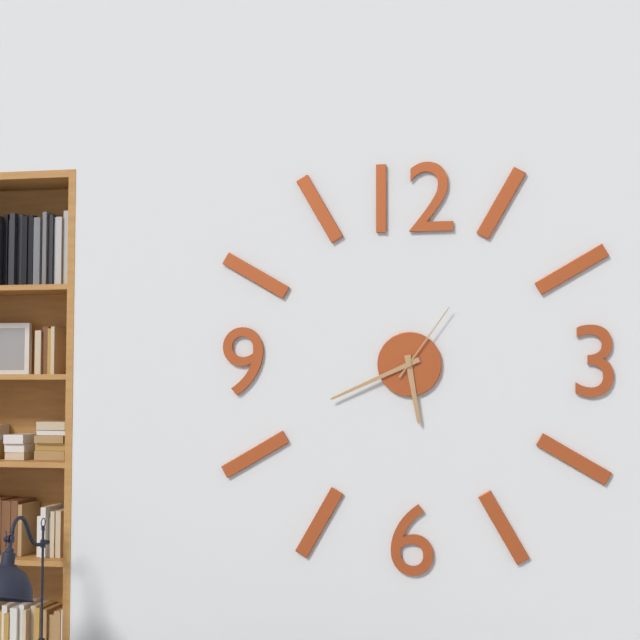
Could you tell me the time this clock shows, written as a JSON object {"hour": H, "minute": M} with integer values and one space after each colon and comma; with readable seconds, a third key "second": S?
{"hour": 5, "minute": 41, "second": 6}
